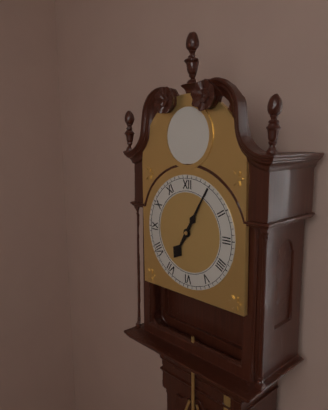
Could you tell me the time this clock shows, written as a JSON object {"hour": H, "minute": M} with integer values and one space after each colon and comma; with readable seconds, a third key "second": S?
{"hour": 7, "minute": 5}
